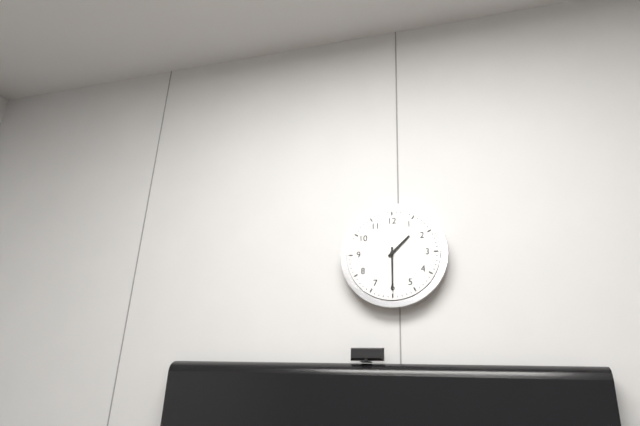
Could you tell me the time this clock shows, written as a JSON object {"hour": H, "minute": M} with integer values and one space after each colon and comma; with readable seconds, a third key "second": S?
{"hour": 1, "minute": 30}
